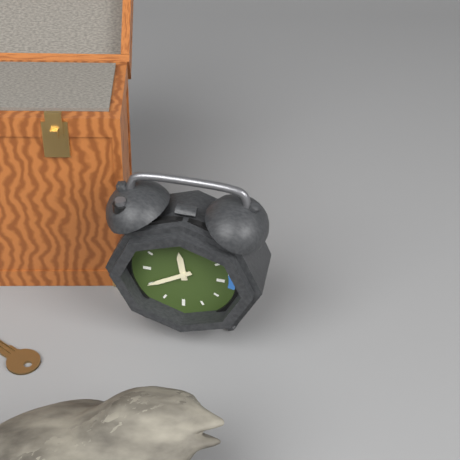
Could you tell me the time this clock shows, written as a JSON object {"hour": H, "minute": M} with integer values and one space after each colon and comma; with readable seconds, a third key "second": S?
{"hour": 11, "minute": 40}
